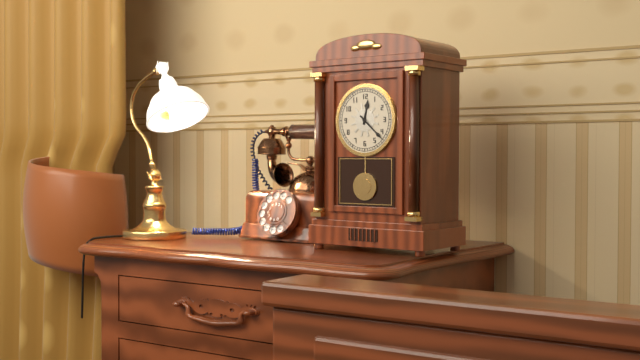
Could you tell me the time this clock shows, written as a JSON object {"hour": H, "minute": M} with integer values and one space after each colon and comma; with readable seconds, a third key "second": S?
{"hour": 12, "minute": 22}
